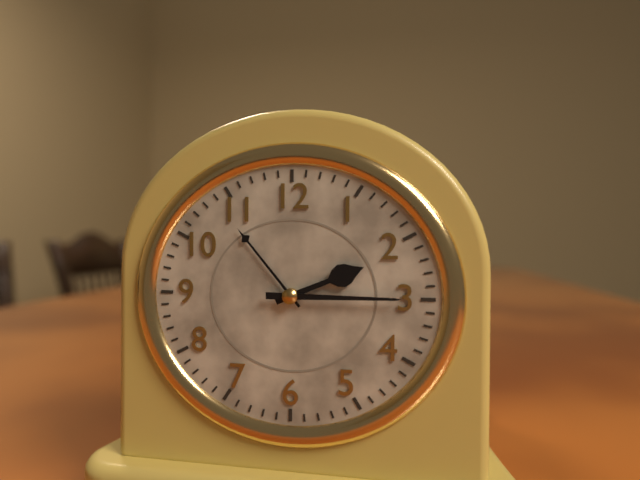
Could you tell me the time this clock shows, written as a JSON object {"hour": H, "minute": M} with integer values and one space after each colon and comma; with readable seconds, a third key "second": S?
{"hour": 2, "minute": 15}
